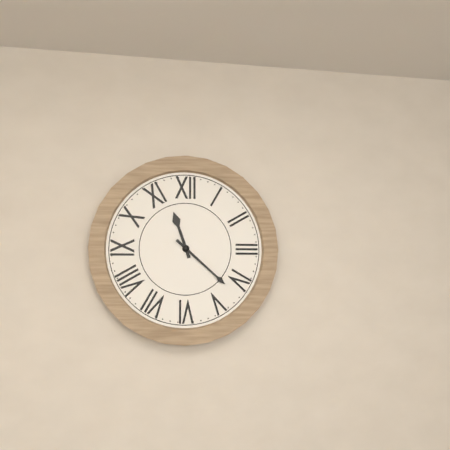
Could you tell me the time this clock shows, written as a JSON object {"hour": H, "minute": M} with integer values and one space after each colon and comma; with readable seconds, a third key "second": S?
{"hour": 11, "minute": 22}
